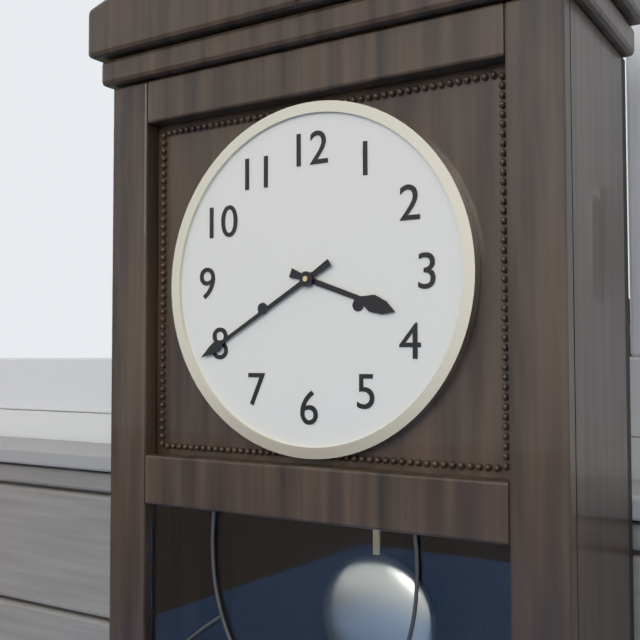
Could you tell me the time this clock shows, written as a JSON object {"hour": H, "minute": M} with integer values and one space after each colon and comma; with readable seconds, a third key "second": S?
{"hour": 3, "minute": 40}
